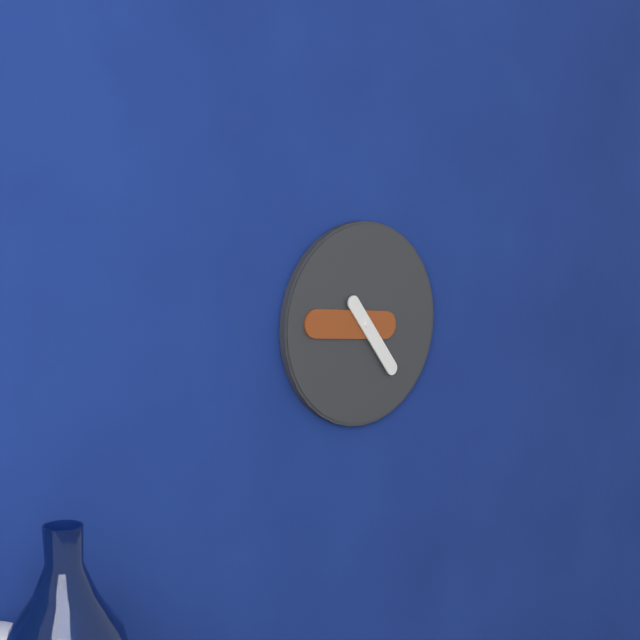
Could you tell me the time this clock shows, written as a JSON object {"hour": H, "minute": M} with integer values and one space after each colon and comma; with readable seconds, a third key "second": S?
{"hour": 4, "minute": 46}
